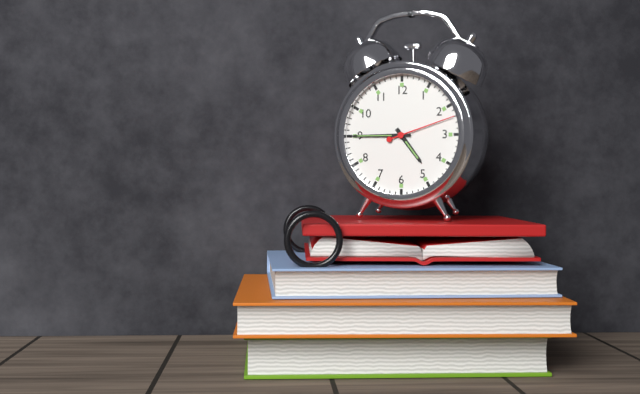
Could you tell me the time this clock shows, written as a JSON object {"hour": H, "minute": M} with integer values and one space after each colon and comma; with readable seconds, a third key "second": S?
{"hour": 4, "minute": 45, "second": 12}
